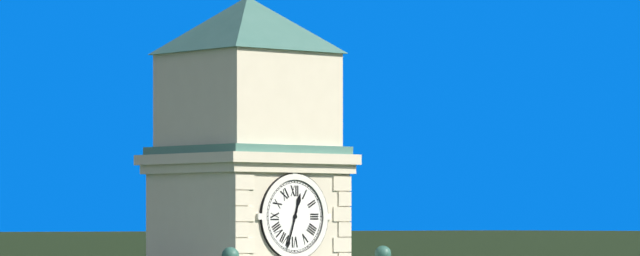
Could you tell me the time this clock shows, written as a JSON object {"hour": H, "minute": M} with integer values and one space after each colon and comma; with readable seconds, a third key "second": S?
{"hour": 12, "minute": 33}
